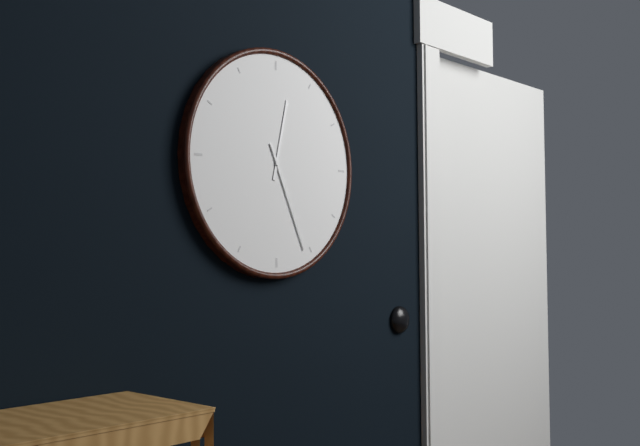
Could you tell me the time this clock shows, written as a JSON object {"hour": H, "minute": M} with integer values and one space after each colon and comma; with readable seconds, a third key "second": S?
{"hour": 12, "minute": 26}
